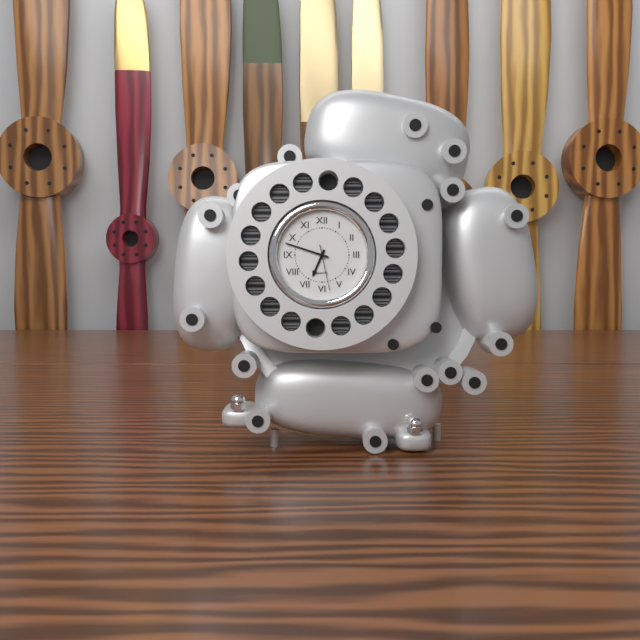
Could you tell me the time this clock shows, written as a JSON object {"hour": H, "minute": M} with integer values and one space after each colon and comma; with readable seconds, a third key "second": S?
{"hour": 6, "minute": 48}
